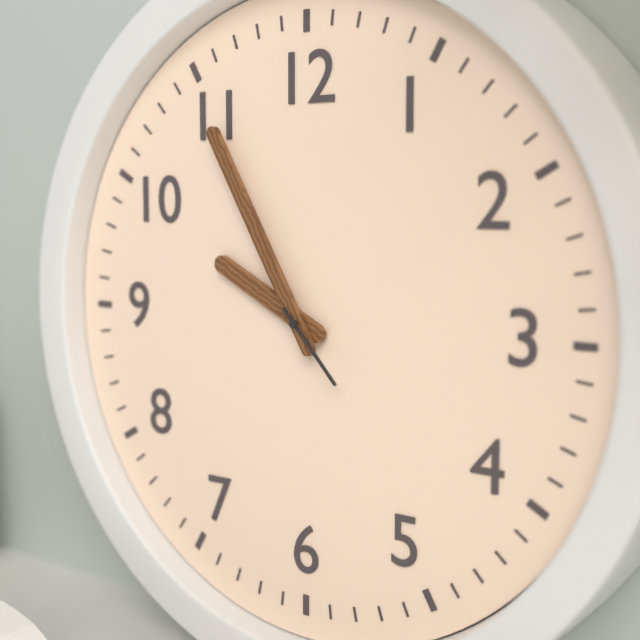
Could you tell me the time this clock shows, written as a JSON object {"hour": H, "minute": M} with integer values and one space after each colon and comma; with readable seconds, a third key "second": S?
{"hour": 9, "minute": 55, "second": 23}
